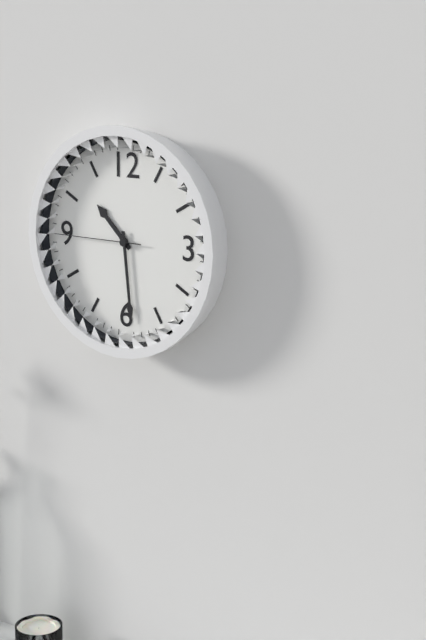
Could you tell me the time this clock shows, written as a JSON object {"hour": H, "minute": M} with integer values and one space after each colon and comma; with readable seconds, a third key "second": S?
{"hour": 10, "minute": 29, "second": 45}
